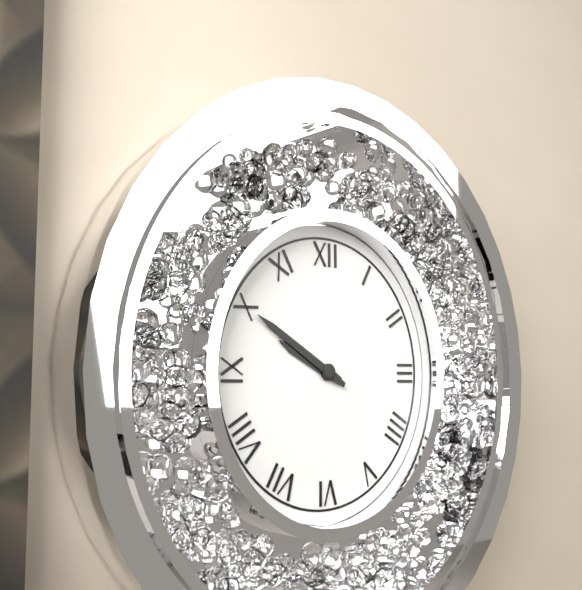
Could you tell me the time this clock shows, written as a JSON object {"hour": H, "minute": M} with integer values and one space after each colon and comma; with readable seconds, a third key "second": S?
{"hour": 9, "minute": 50}
